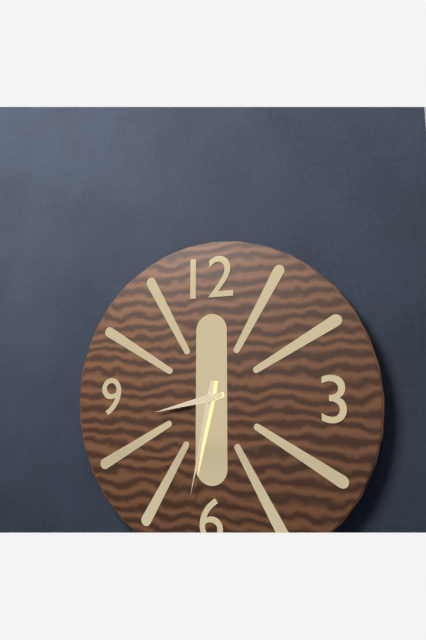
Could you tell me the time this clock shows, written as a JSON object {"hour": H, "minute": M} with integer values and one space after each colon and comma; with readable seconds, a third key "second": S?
{"hour": 8, "minute": 32}
